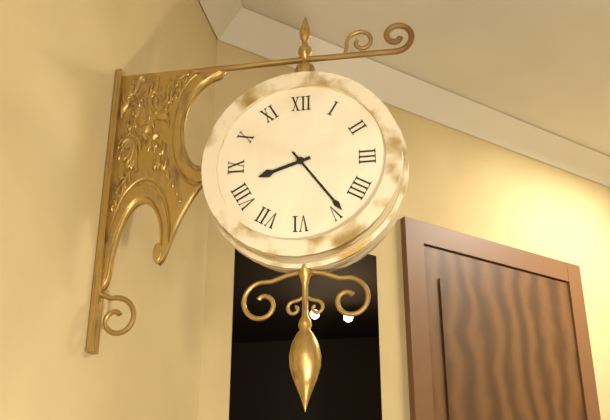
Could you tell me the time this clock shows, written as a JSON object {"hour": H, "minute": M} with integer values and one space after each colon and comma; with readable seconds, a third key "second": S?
{"hour": 8, "minute": 24}
